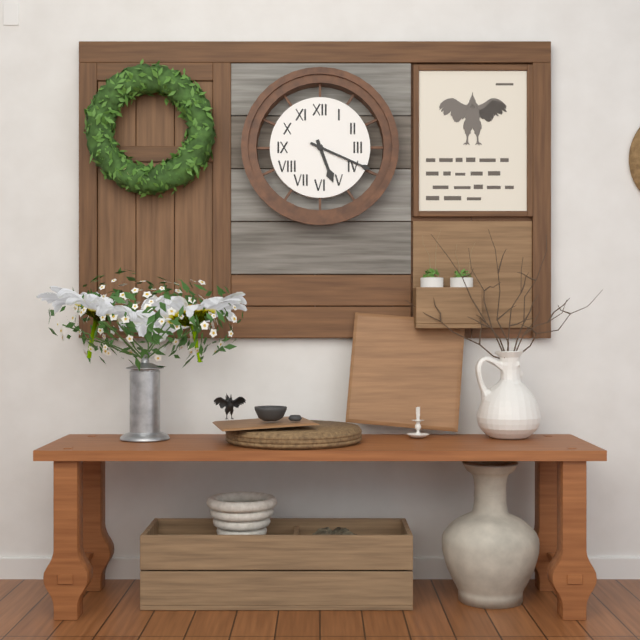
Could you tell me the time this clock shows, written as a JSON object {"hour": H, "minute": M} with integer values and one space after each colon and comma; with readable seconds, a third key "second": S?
{"hour": 5, "minute": 19}
